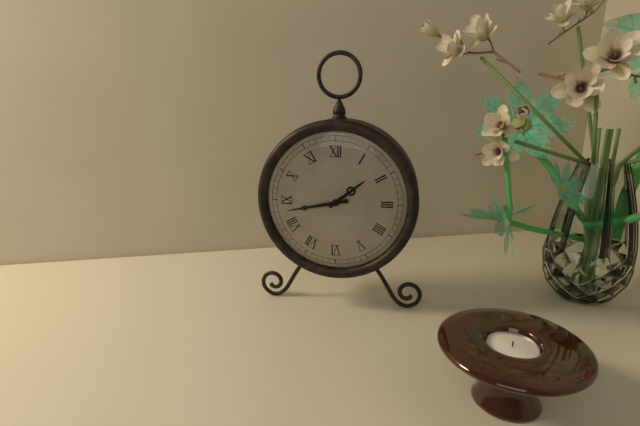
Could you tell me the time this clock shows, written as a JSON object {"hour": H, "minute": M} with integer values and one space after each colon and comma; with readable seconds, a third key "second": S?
{"hour": 1, "minute": 43}
